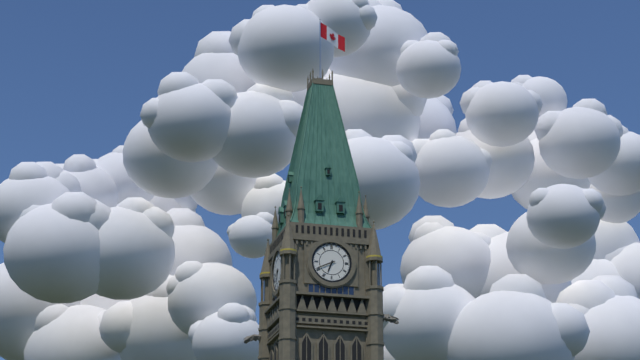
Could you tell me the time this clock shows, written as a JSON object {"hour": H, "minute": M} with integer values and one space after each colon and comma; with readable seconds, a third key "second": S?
{"hour": 6, "minute": 41}
